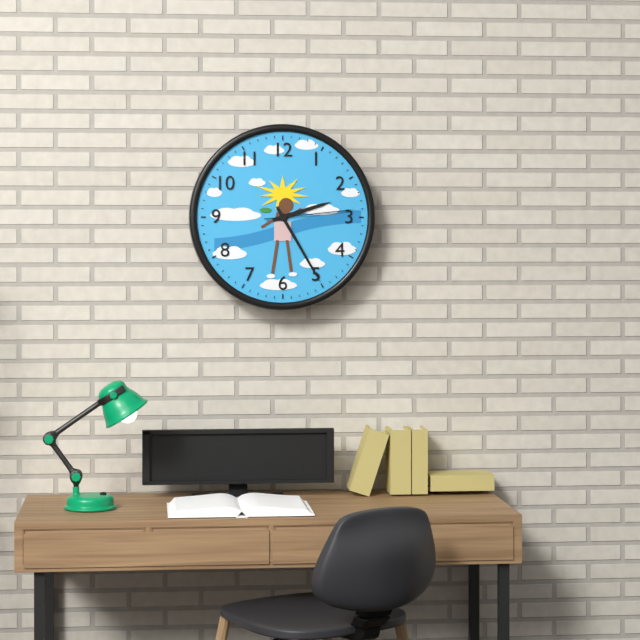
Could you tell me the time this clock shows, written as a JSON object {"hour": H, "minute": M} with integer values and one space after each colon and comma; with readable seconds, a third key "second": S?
{"hour": 2, "minute": 25, "second": 14}
